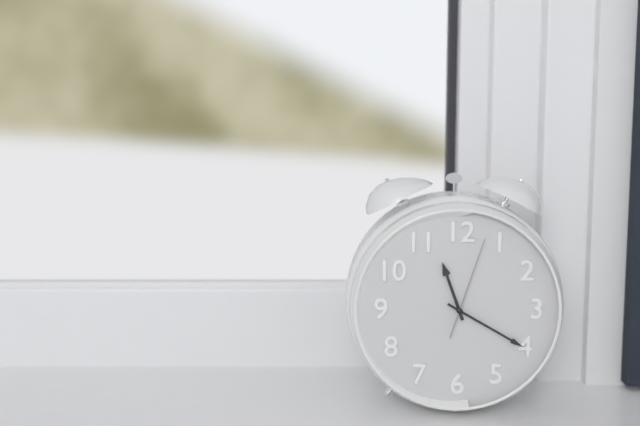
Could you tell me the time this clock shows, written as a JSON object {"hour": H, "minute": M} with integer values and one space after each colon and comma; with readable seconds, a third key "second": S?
{"hour": 11, "minute": 20, "second": 3}
